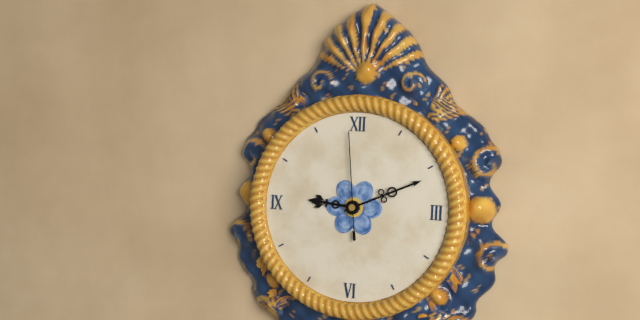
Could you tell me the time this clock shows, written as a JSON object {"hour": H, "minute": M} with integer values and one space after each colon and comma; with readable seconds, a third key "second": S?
{"hour": 9, "minute": 11, "second": 59}
